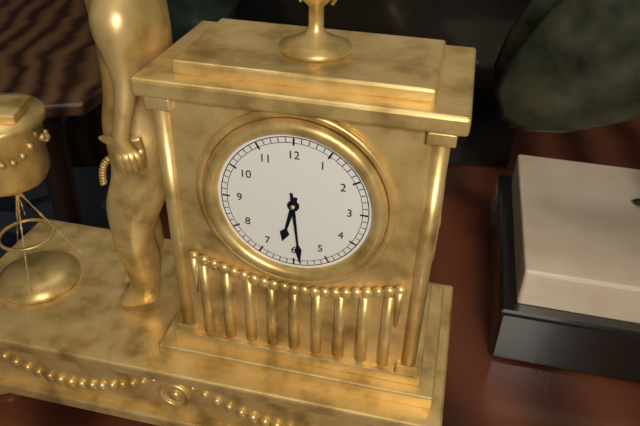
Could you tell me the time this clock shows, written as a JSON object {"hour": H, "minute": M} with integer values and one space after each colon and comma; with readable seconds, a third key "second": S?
{"hour": 6, "minute": 29}
